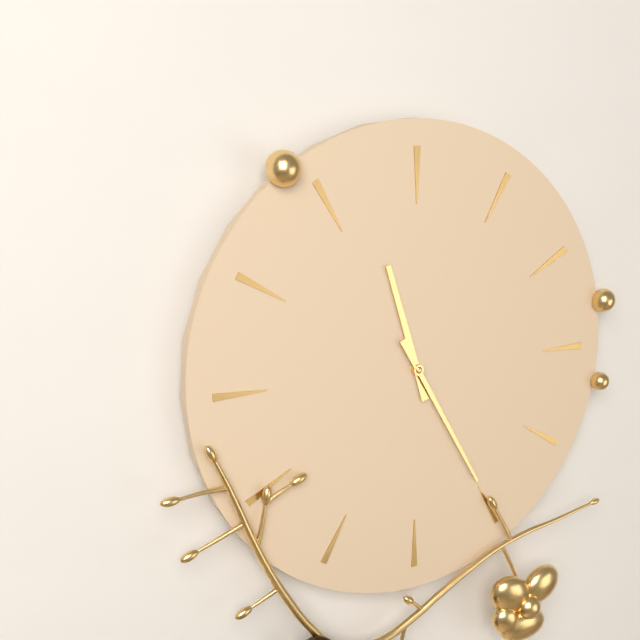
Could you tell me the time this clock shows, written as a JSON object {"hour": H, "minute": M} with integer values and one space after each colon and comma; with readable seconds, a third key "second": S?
{"hour": 11, "minute": 25}
